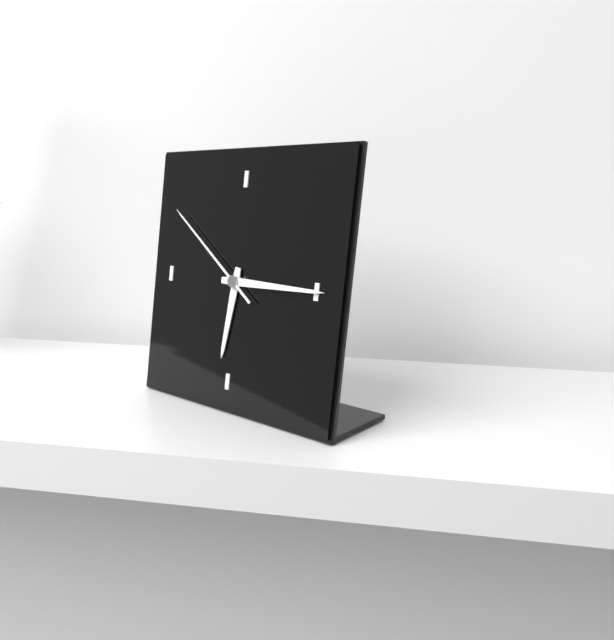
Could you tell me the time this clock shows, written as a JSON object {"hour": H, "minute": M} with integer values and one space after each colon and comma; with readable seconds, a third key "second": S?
{"hour": 6, "minute": 15, "second": 51}
